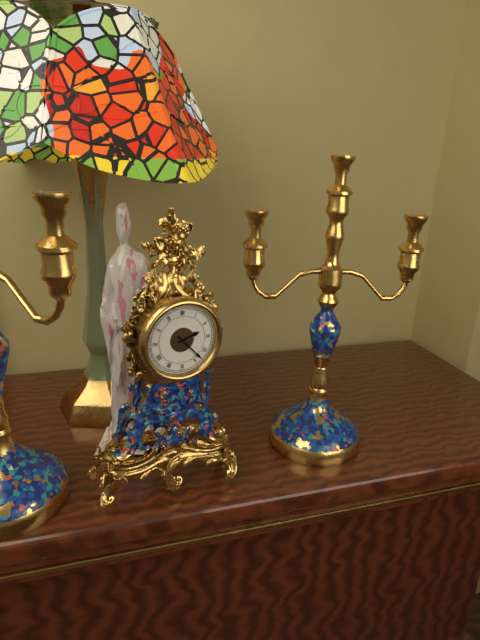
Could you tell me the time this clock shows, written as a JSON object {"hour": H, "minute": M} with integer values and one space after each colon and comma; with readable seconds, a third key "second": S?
{"hour": 2, "minute": 23}
